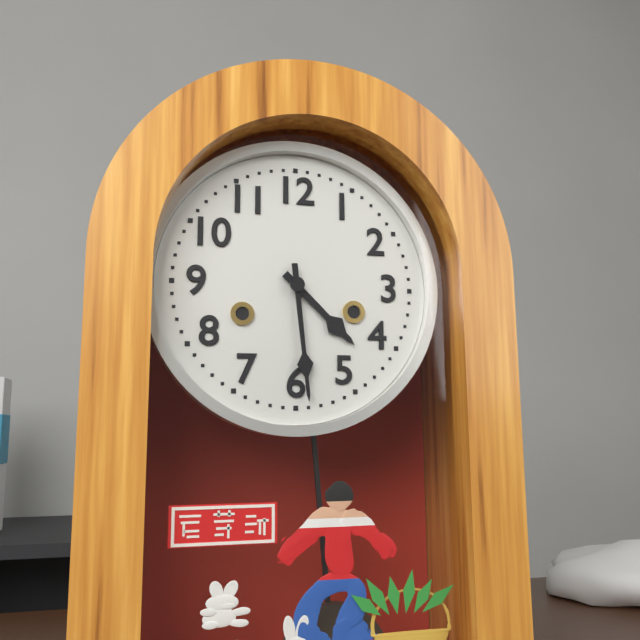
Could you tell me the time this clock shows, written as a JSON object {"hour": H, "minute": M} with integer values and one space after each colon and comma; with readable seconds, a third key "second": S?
{"hour": 4, "minute": 29}
